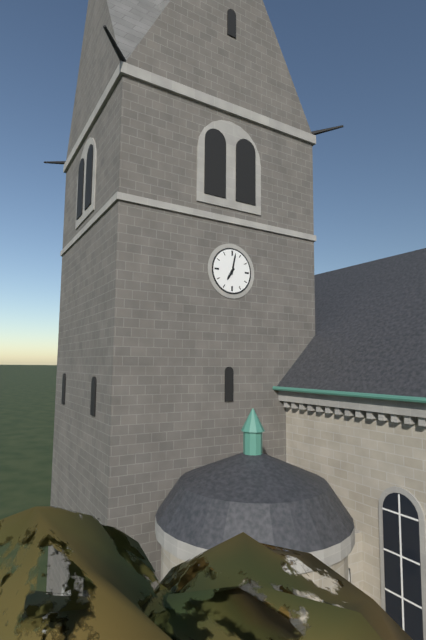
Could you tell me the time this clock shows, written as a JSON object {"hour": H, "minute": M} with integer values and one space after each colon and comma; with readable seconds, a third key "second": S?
{"hour": 7, "minute": 2}
